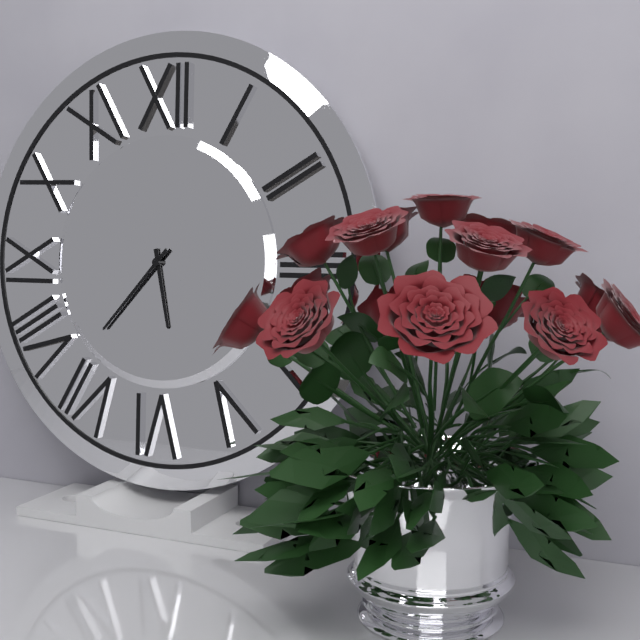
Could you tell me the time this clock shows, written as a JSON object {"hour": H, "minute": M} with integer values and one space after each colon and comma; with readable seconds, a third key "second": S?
{"hour": 5, "minute": 37}
